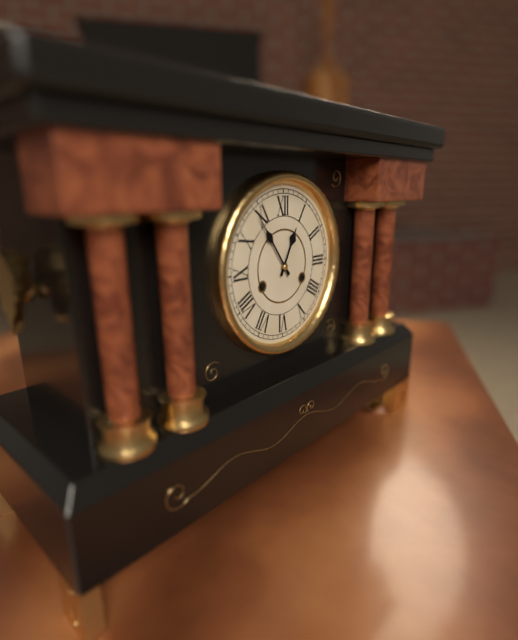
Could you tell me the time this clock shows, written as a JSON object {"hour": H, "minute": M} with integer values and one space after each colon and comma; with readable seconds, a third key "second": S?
{"hour": 12, "minute": 54}
